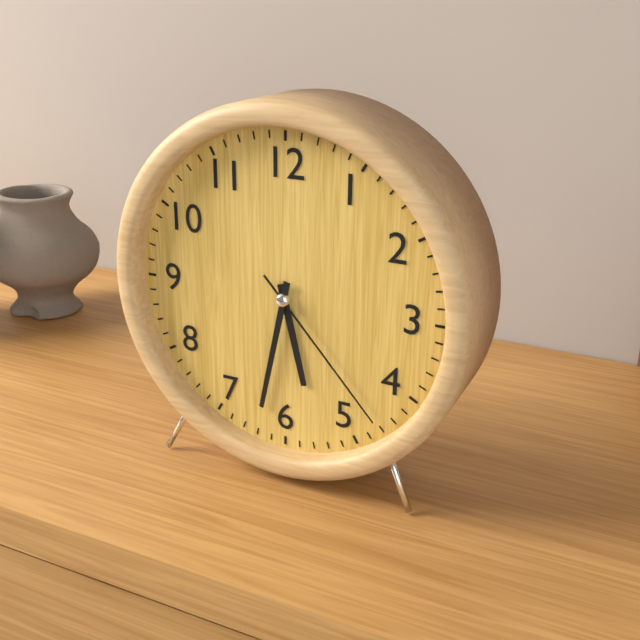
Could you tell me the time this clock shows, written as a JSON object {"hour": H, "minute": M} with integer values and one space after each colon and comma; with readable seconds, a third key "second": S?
{"hour": 5, "minute": 32, "second": 23}
